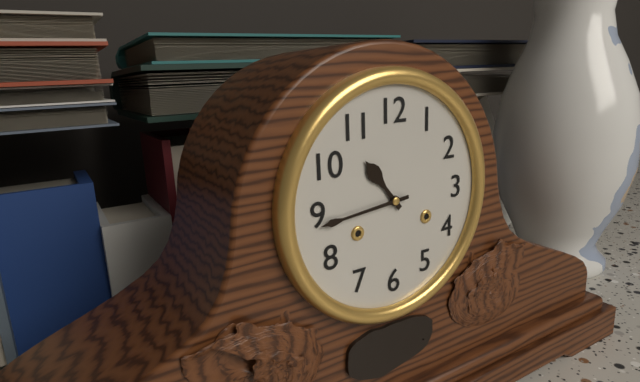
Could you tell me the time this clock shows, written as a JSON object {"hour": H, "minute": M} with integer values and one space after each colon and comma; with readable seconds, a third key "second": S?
{"hour": 10, "minute": 44}
